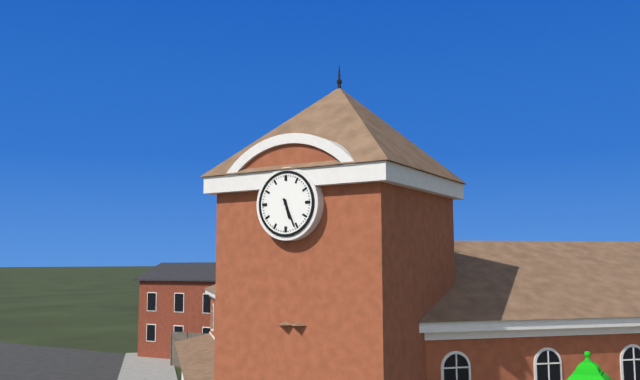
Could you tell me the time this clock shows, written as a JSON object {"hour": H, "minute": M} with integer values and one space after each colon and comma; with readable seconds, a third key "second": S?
{"hour": 5, "minute": 26}
